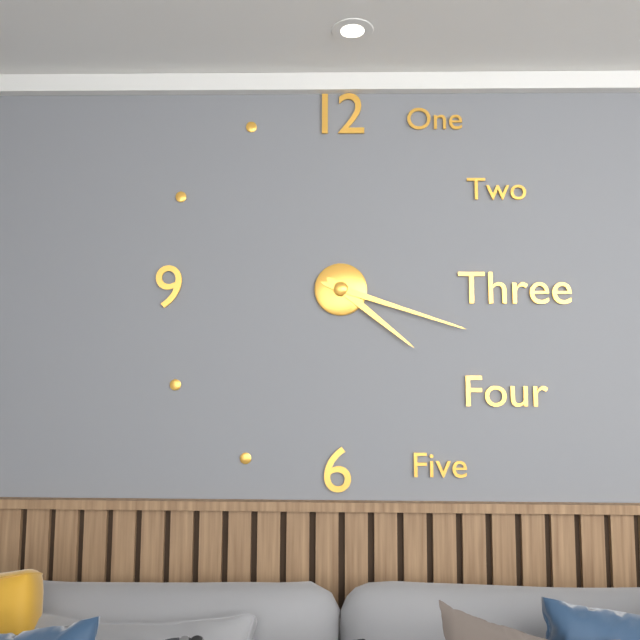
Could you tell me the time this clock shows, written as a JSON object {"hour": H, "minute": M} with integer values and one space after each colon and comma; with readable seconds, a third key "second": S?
{"hour": 4, "minute": 18}
